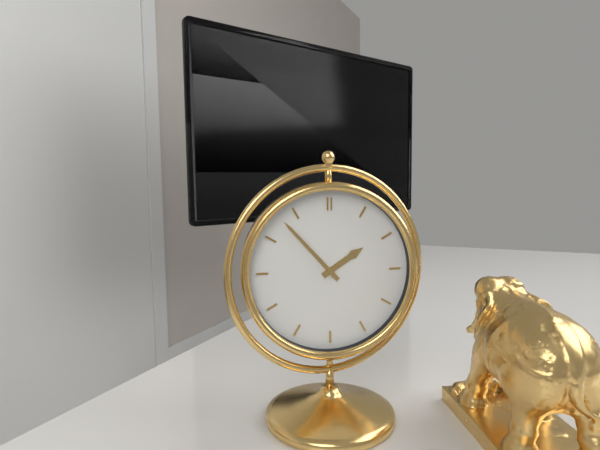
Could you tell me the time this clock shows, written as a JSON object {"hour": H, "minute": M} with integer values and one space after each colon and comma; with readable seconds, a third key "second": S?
{"hour": 1, "minute": 53}
